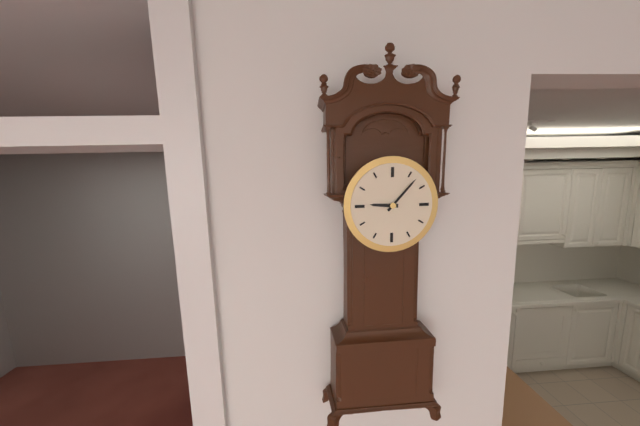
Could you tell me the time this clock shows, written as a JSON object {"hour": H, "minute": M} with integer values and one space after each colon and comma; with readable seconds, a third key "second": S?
{"hour": 9, "minute": 7}
